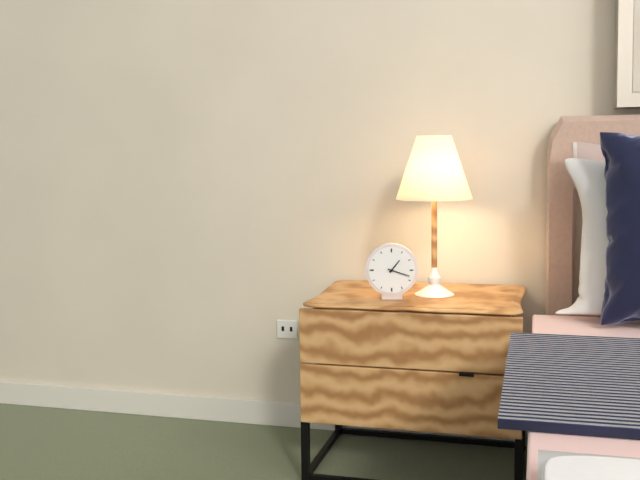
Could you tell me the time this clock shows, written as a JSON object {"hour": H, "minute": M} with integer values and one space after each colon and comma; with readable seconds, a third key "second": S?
{"hour": 1, "minute": 18}
